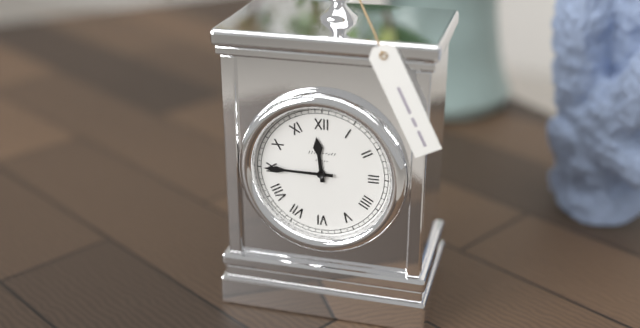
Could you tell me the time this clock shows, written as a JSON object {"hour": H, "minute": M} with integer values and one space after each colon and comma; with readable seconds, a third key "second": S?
{"hour": 11, "minute": 45}
